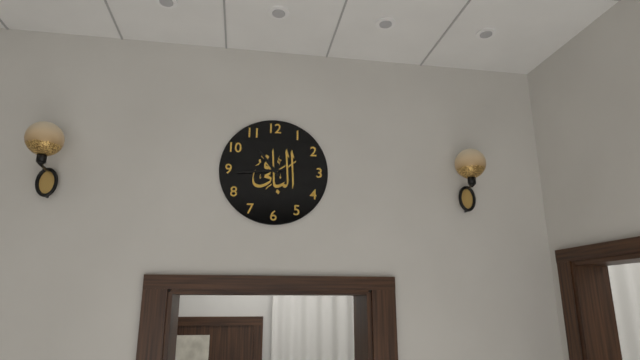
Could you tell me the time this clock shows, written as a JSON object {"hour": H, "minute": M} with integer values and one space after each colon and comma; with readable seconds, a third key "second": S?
{"hour": 10, "minute": 44}
